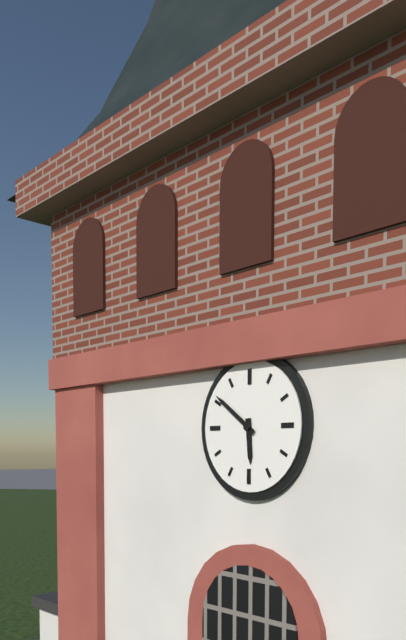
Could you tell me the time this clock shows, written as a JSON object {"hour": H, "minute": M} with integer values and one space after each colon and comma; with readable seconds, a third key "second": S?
{"hour": 5, "minute": 51}
